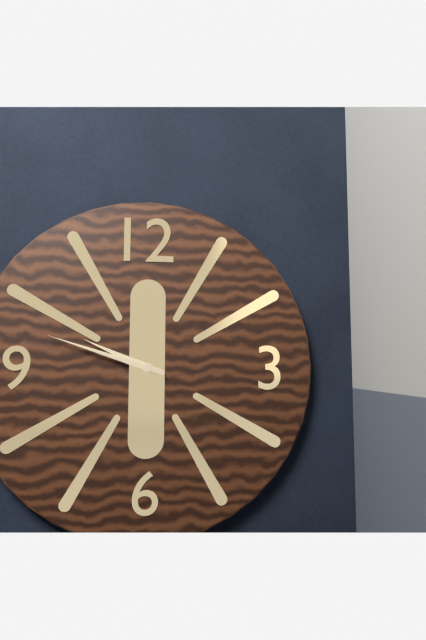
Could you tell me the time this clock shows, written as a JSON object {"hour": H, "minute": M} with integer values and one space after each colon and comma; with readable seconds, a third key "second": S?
{"hour": 9, "minute": 48}
